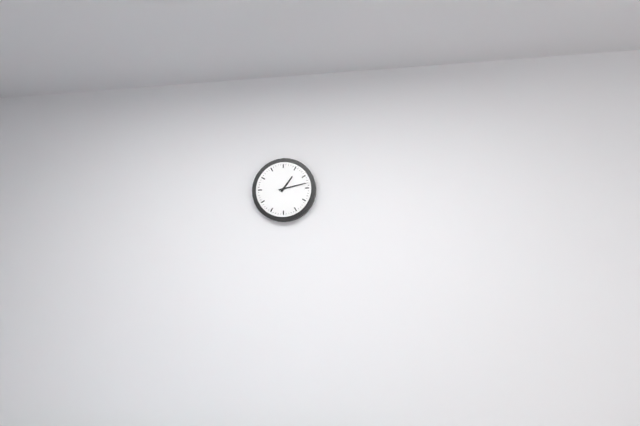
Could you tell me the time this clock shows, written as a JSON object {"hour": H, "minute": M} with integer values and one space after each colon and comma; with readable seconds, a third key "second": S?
{"hour": 1, "minute": 13}
